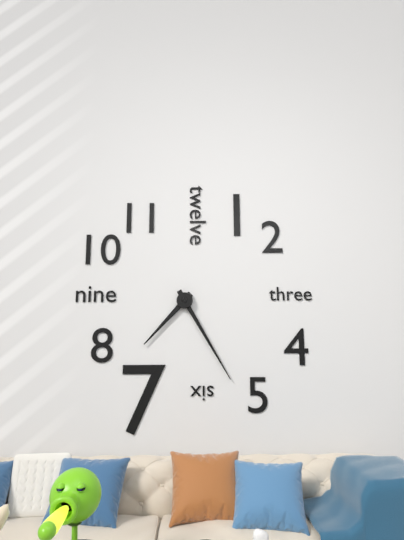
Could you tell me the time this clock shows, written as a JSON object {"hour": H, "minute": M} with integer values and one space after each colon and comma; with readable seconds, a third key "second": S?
{"hour": 7, "minute": 25}
